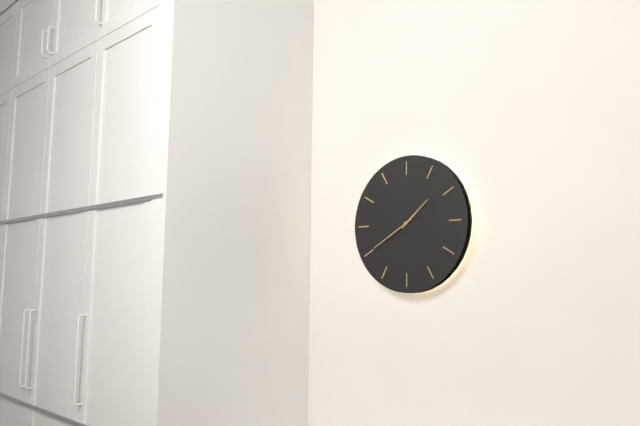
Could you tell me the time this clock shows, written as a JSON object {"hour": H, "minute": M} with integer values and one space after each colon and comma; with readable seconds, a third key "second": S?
{"hour": 1, "minute": 40}
